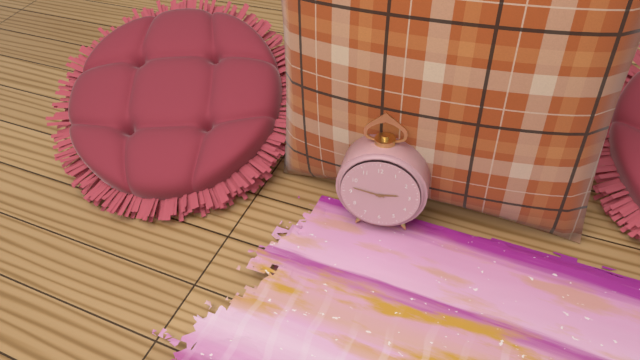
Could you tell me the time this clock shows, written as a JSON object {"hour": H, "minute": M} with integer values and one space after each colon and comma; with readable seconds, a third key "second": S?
{"hour": 2, "minute": 47}
